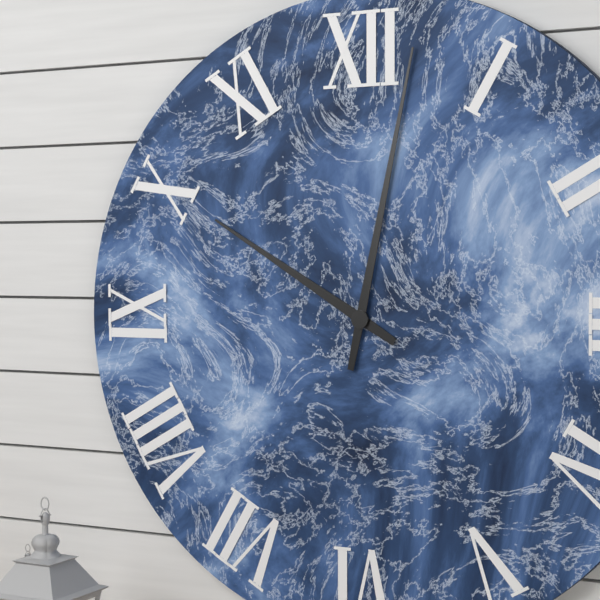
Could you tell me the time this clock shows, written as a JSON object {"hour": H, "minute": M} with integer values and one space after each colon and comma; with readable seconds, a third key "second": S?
{"hour": 10, "minute": 2}
